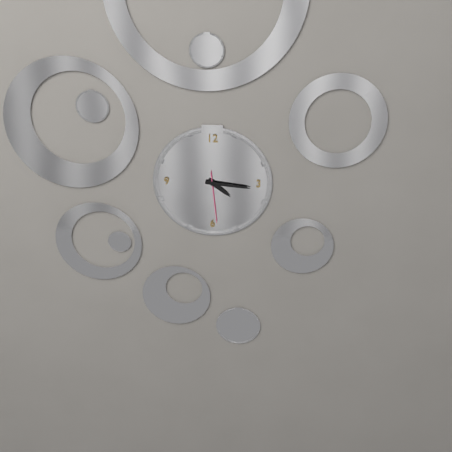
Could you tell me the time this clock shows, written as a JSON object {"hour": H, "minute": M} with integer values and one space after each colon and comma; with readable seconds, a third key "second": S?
{"hour": 4, "minute": 16}
